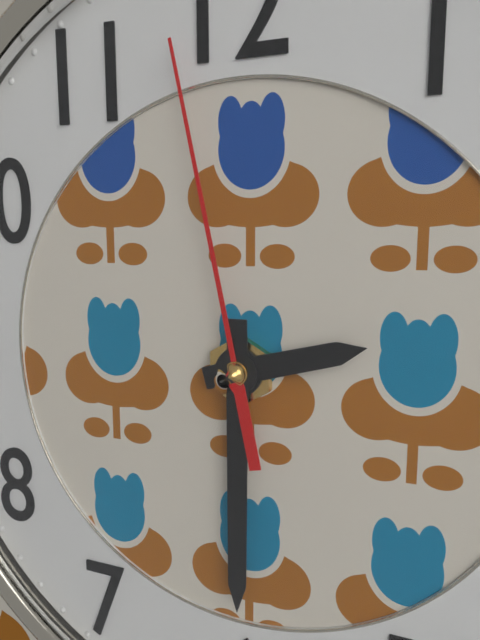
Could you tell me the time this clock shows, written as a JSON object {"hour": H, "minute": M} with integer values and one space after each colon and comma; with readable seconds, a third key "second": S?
{"hour": 2, "minute": 30, "second": 58}
